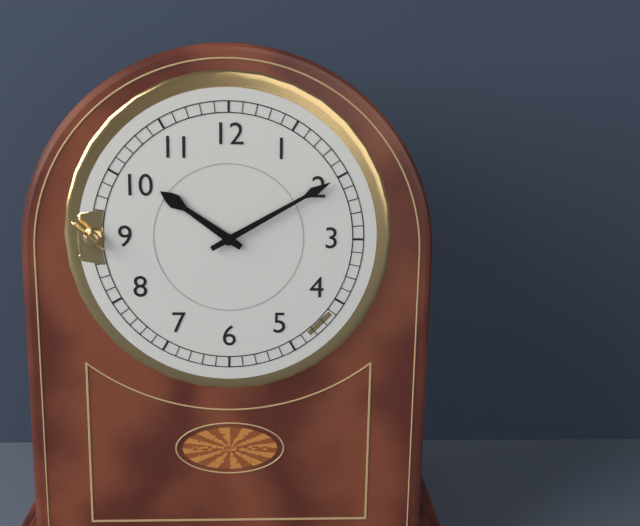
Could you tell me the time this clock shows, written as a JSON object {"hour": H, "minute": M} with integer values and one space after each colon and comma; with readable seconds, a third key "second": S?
{"hour": 10, "minute": 10}
